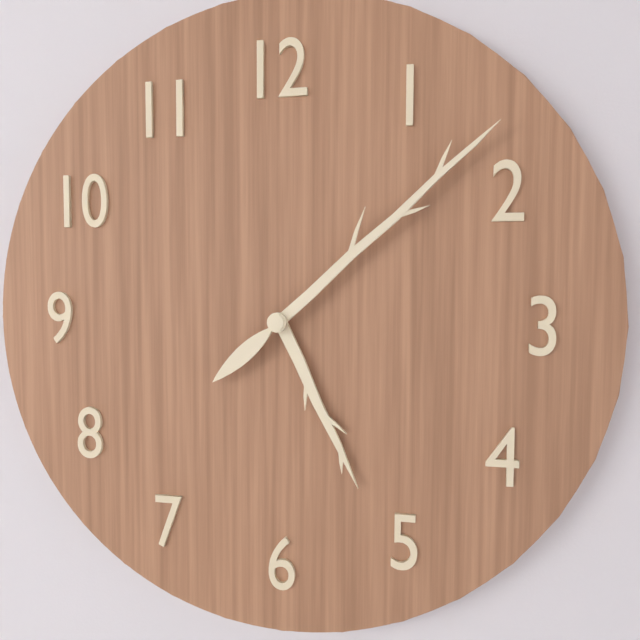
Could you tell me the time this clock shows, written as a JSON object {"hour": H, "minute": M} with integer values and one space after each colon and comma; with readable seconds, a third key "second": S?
{"hour": 5, "minute": 8}
